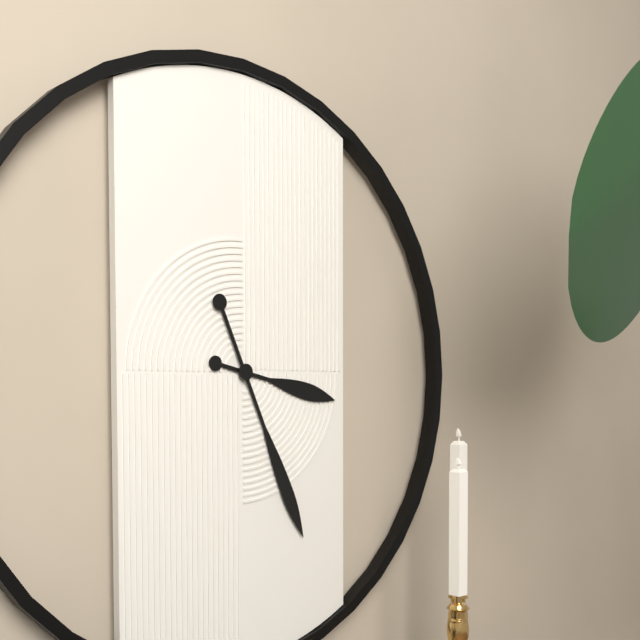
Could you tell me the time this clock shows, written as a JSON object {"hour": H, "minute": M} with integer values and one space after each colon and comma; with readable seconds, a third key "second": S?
{"hour": 3, "minute": 26}
